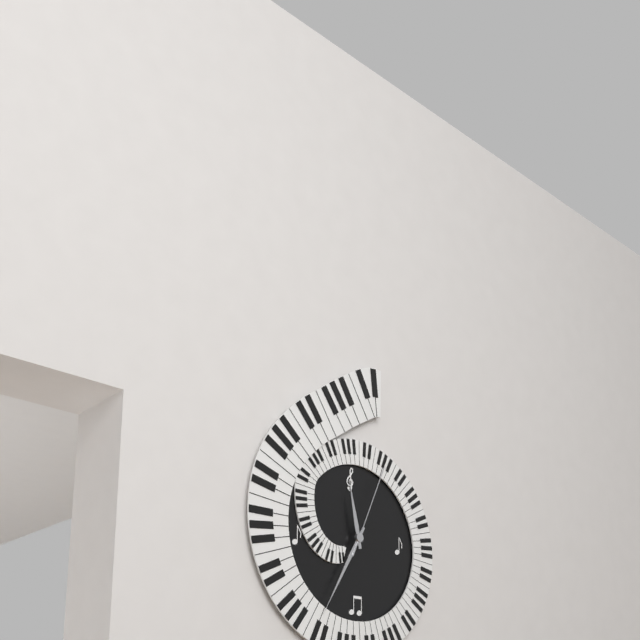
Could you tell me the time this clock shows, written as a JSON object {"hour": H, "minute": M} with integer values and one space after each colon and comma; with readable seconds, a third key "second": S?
{"hour": 11, "minute": 35, "second": 4}
